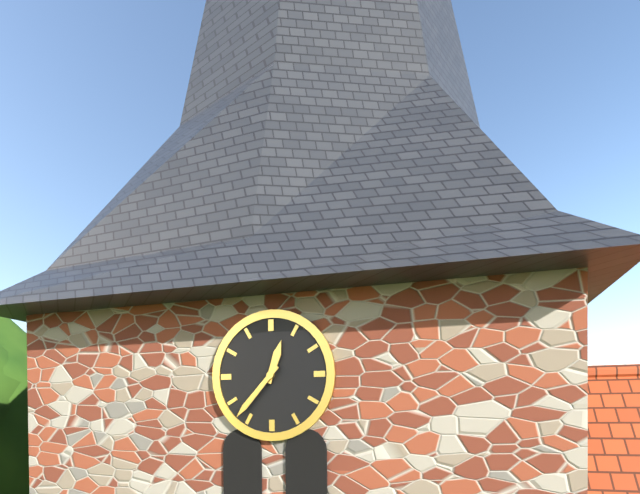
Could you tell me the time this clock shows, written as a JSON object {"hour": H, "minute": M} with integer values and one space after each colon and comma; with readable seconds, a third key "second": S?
{"hour": 12, "minute": 37}
